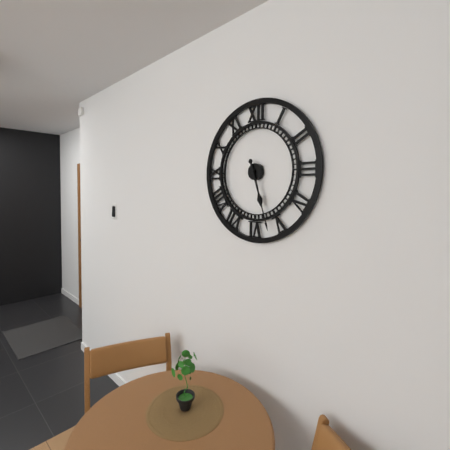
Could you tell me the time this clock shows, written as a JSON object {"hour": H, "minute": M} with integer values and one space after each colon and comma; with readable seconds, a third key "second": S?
{"hour": 5, "minute": 27}
